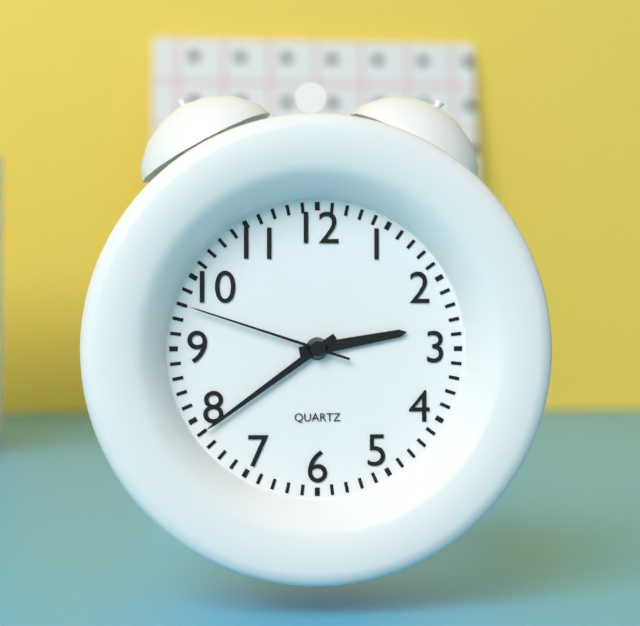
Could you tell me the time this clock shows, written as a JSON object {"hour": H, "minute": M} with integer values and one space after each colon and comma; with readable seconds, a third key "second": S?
{"hour": 2, "minute": 39, "second": 48}
